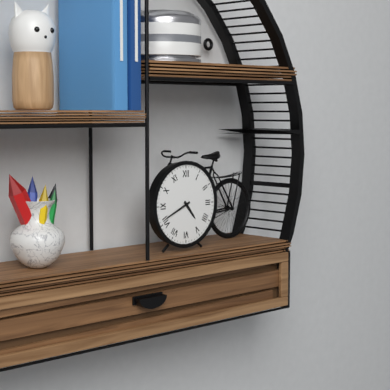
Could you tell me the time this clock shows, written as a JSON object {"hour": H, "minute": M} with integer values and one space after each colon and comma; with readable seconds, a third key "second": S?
{"hour": 4, "minute": 41}
